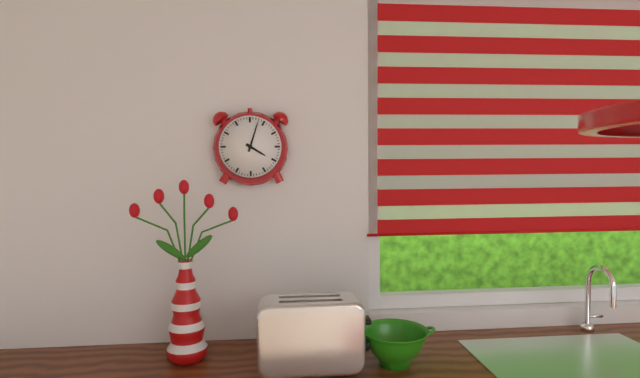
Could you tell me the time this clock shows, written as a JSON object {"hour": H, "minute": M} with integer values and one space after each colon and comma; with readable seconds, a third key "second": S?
{"hour": 4, "minute": 3}
